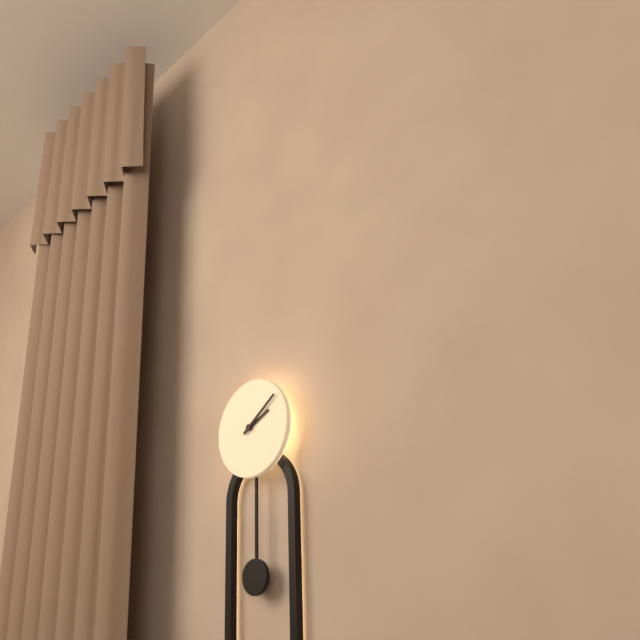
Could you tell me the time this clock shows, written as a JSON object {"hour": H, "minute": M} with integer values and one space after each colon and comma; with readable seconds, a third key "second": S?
{"hour": 2, "minute": 9}
